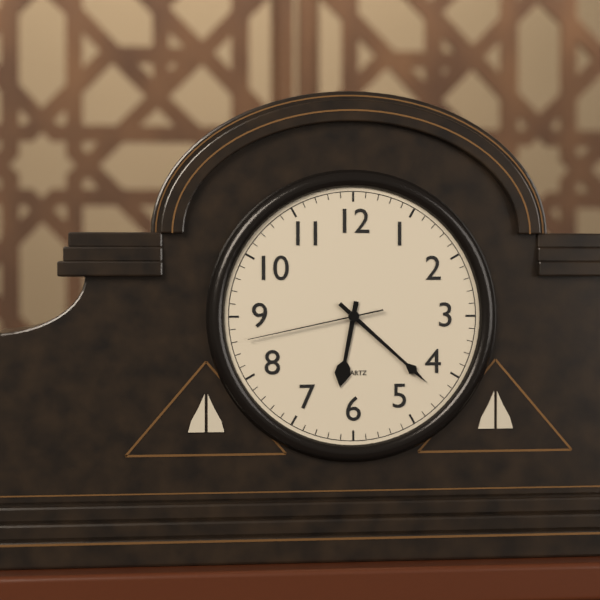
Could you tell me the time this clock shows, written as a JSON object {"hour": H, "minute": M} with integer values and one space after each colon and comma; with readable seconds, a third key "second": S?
{"hour": 6, "minute": 22, "second": 43}
